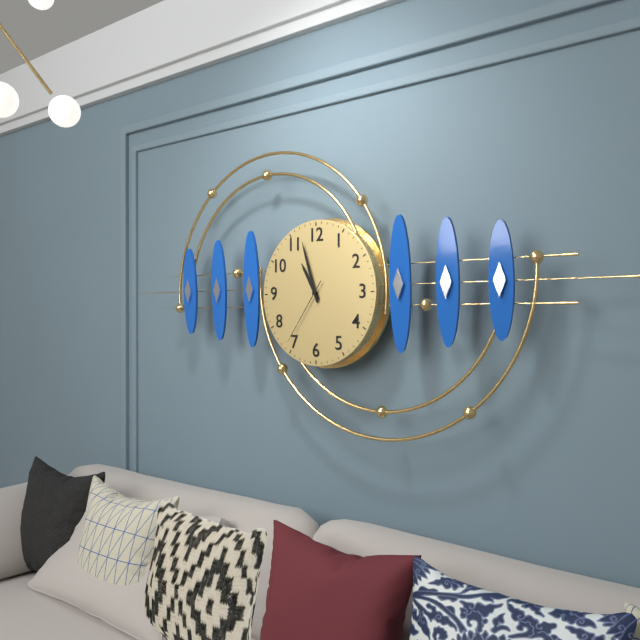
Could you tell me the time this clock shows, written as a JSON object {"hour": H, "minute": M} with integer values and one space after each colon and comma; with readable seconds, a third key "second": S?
{"hour": 10, "minute": 57, "second": 36}
